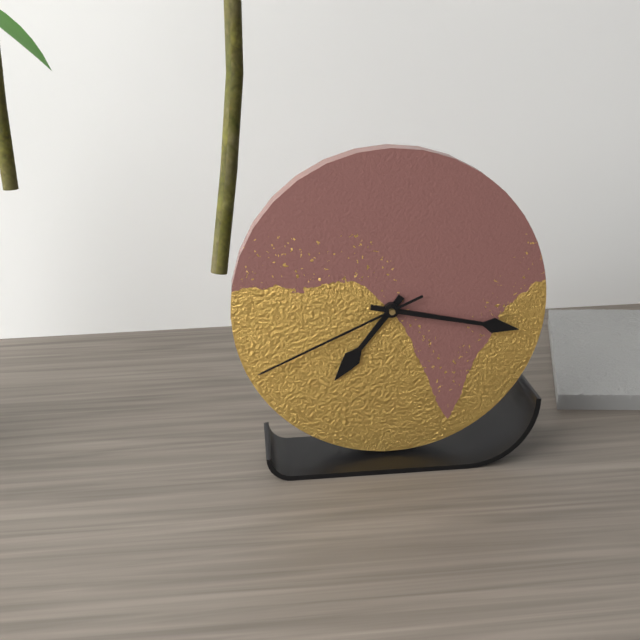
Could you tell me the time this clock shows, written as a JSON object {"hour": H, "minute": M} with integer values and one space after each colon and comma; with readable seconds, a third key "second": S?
{"hour": 7, "minute": 17, "second": 41}
